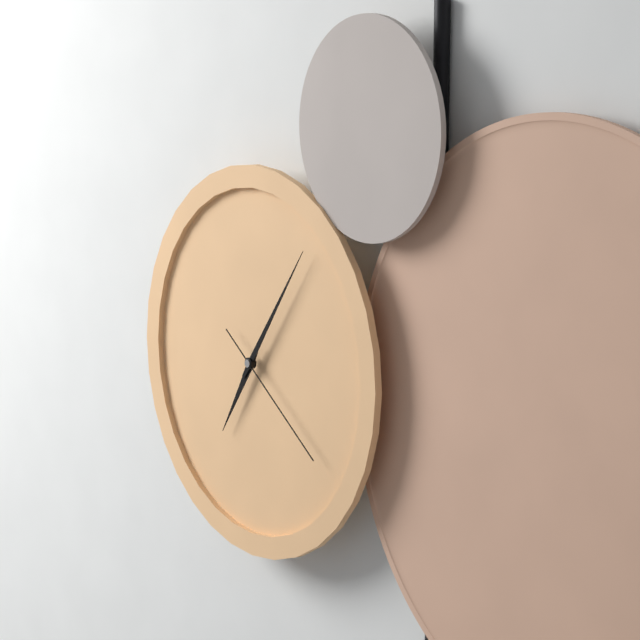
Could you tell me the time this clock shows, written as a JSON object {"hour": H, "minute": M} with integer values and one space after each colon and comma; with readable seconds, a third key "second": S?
{"hour": 7, "minute": 6, "second": 21}
